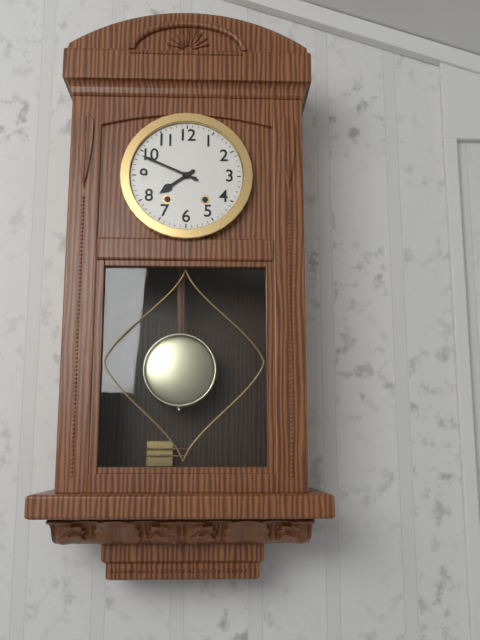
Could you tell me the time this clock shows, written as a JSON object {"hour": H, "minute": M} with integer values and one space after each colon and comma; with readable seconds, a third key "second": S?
{"hour": 7, "minute": 49}
